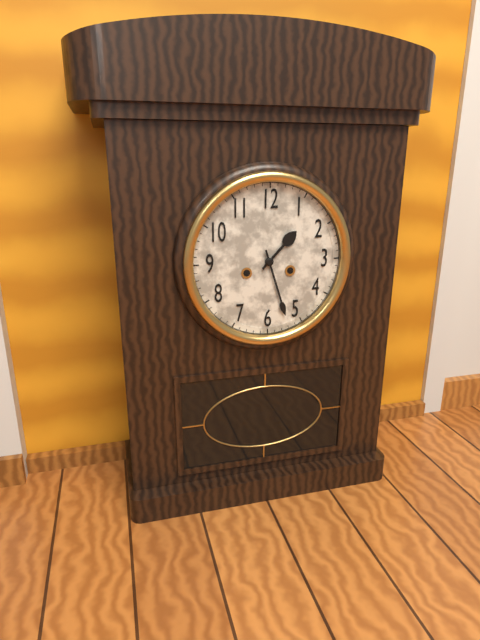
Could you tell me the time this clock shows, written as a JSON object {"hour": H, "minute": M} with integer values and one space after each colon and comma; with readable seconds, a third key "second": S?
{"hour": 1, "minute": 27}
